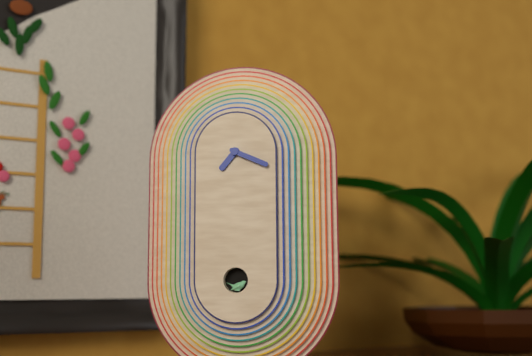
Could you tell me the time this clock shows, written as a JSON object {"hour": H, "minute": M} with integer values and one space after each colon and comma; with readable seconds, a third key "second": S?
{"hour": 7, "minute": 19}
